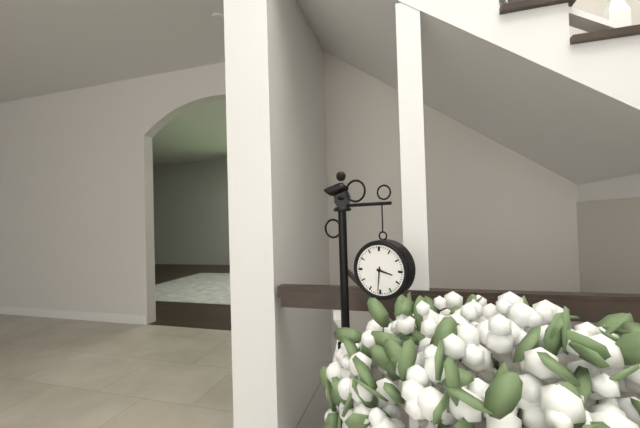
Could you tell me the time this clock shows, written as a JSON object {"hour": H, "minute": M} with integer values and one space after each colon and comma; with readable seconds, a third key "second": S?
{"hour": 3, "minute": 31}
